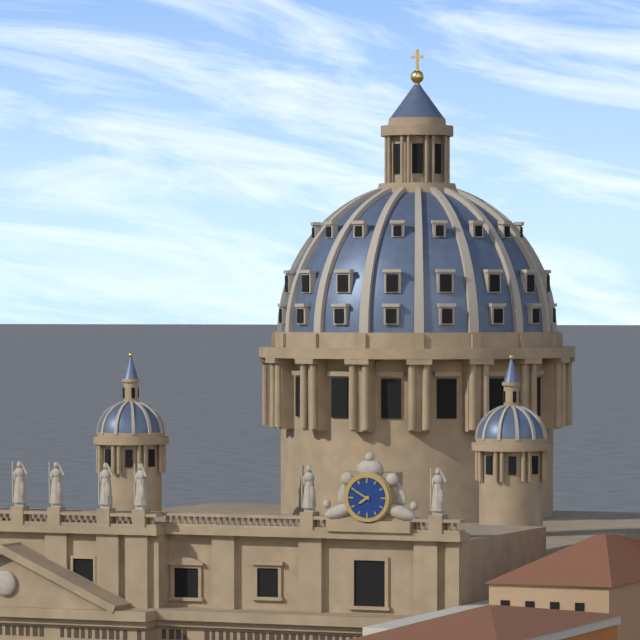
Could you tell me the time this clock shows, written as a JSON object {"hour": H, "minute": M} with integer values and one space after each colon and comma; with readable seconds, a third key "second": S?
{"hour": 7, "minute": 50}
